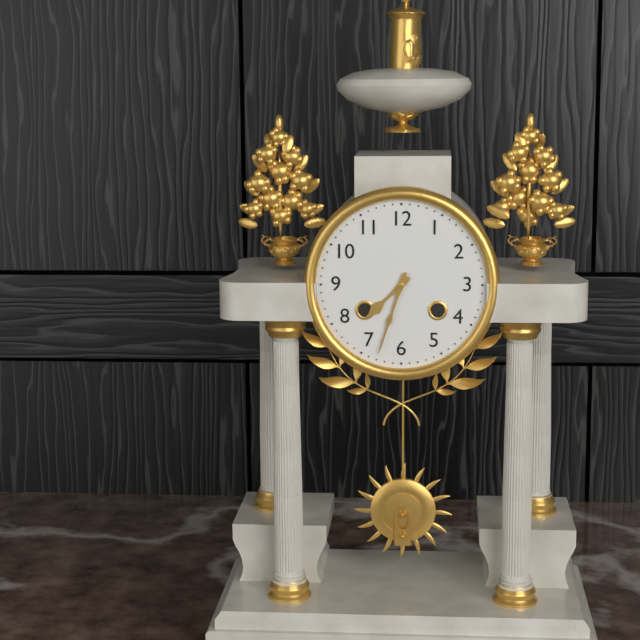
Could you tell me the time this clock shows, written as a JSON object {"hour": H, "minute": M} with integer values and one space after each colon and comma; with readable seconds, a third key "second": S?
{"hour": 7, "minute": 33}
